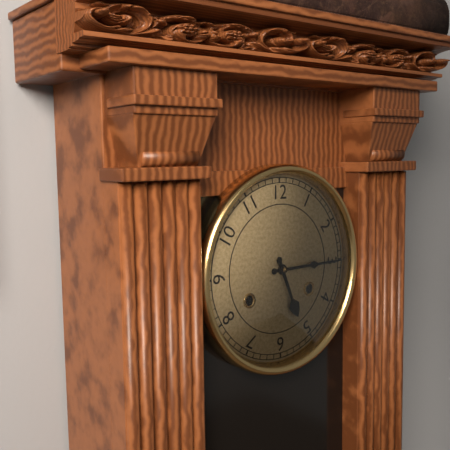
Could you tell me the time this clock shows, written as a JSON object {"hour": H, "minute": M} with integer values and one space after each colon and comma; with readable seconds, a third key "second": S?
{"hour": 5, "minute": 15}
